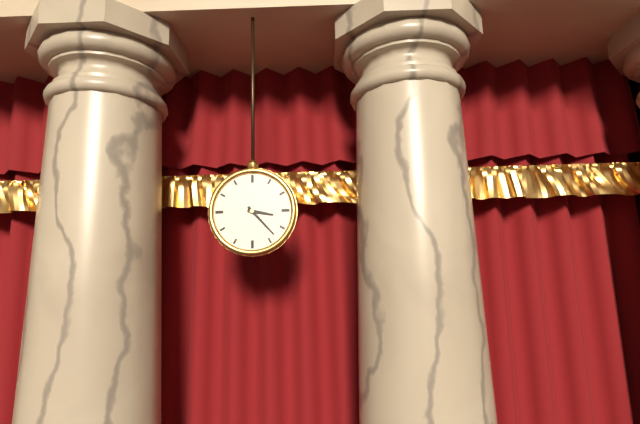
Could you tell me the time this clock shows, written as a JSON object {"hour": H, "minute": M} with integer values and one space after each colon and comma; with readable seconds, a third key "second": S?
{"hour": 3, "minute": 23}
